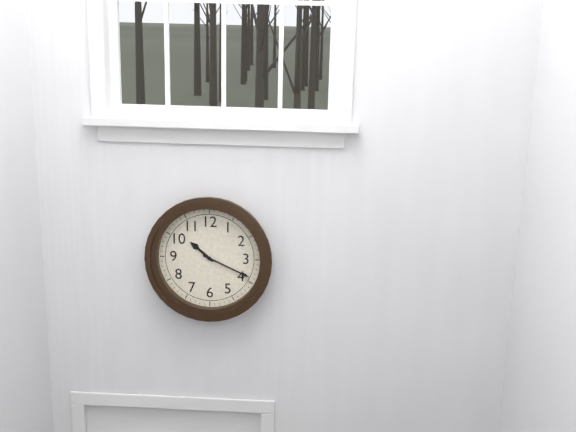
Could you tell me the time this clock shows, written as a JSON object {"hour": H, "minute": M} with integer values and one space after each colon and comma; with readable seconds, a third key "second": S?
{"hour": 10, "minute": 19}
